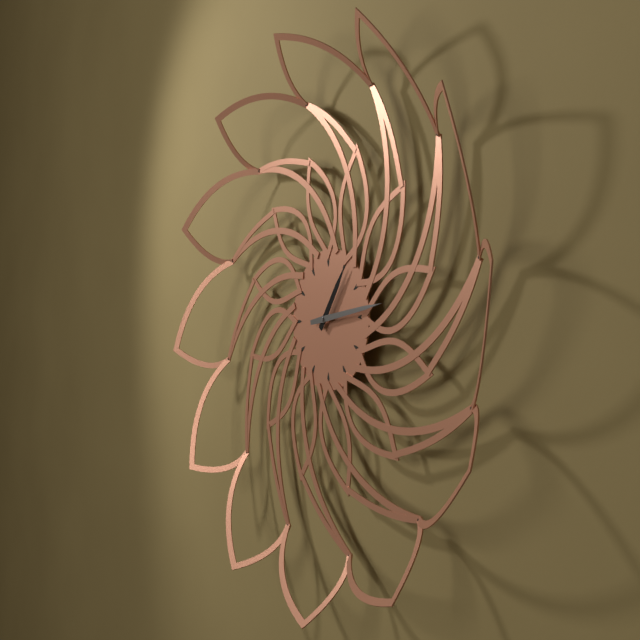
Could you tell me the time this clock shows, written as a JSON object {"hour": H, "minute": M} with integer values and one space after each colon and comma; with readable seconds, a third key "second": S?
{"hour": 1, "minute": 14}
